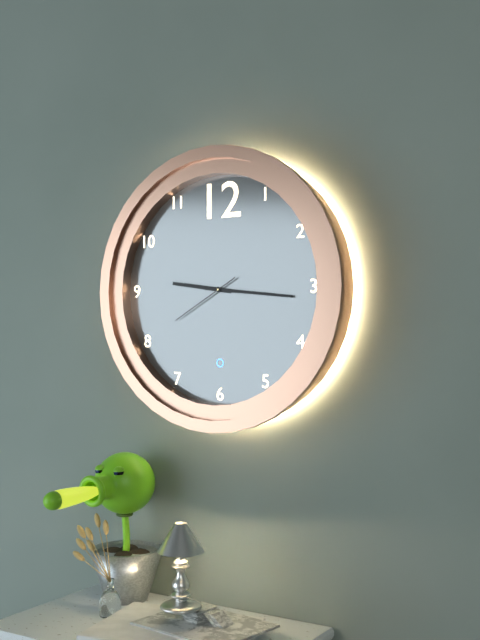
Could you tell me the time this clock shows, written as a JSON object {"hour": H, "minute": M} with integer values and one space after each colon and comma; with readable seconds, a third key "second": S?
{"hour": 9, "minute": 16, "second": 40}
